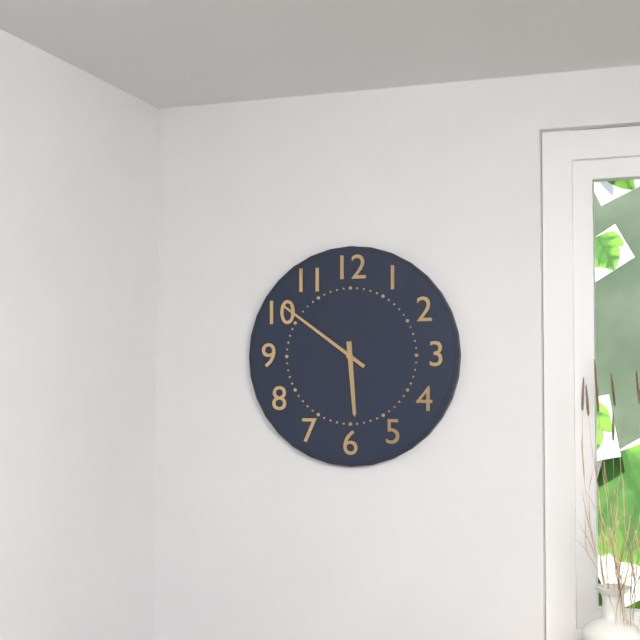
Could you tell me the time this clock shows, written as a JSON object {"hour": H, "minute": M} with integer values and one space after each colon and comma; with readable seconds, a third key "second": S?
{"hour": 5, "minute": 51}
